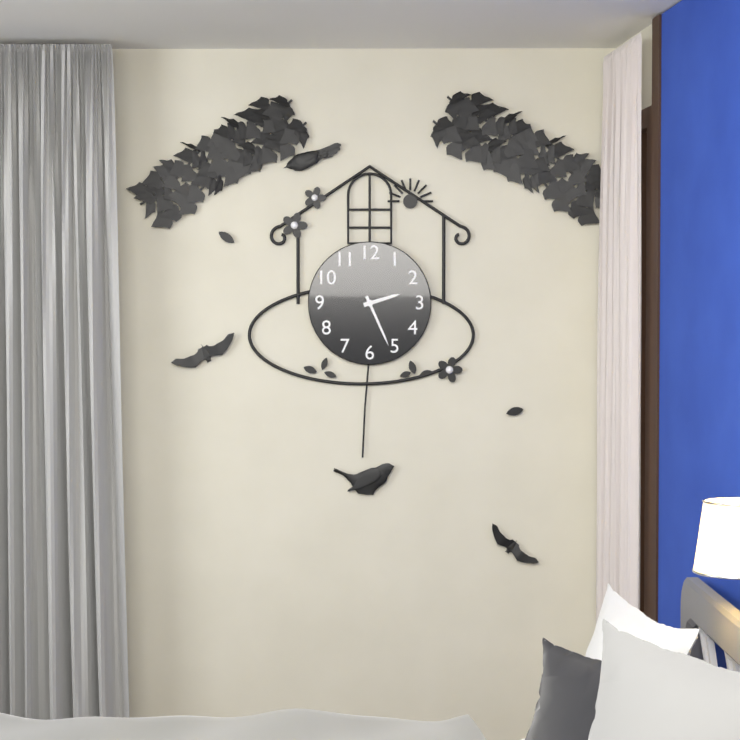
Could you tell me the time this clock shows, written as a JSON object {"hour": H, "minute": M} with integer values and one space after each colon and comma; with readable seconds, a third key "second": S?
{"hour": 2, "minute": 26}
